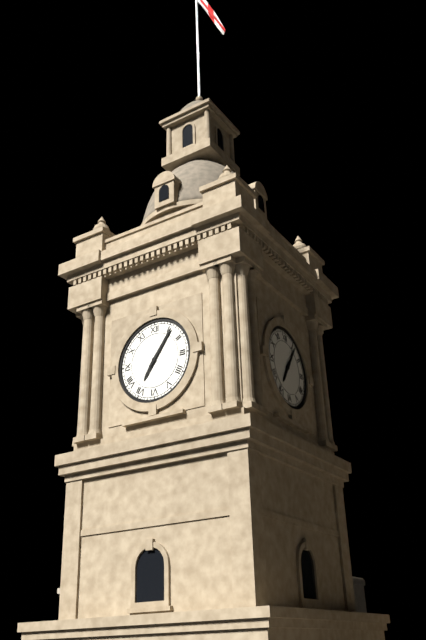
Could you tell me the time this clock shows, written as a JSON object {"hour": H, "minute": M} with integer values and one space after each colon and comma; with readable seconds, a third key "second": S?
{"hour": 7, "minute": 6}
